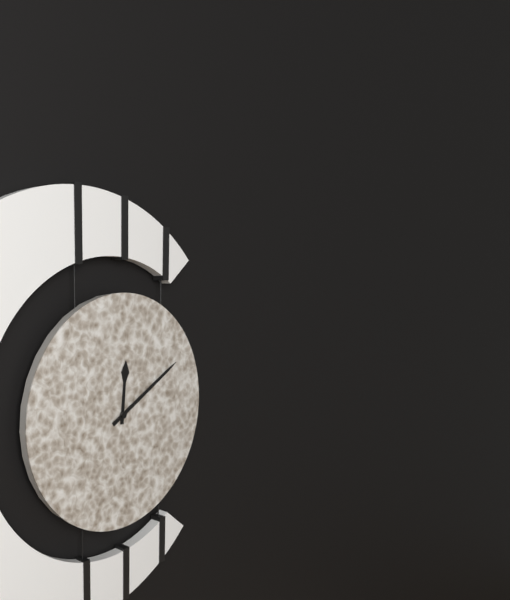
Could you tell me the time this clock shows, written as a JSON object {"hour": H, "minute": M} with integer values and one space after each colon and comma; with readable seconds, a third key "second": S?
{"hour": 12, "minute": 10}
